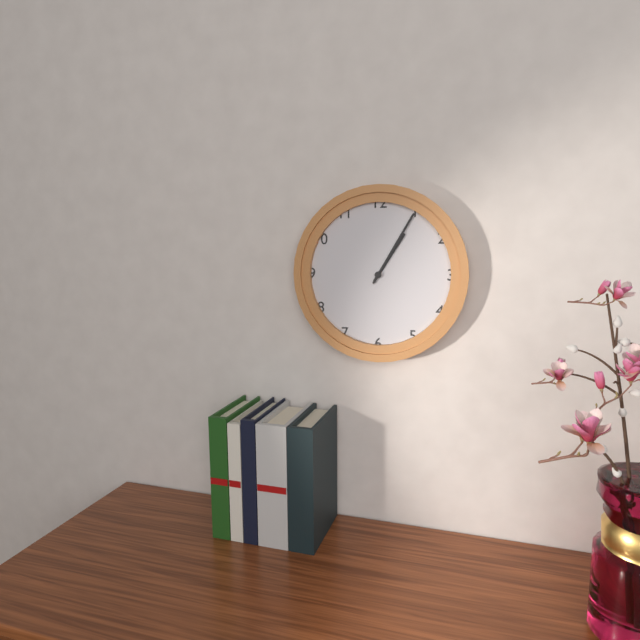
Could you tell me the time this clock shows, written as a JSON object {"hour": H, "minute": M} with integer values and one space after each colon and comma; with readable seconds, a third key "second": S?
{"hour": 1, "minute": 5}
